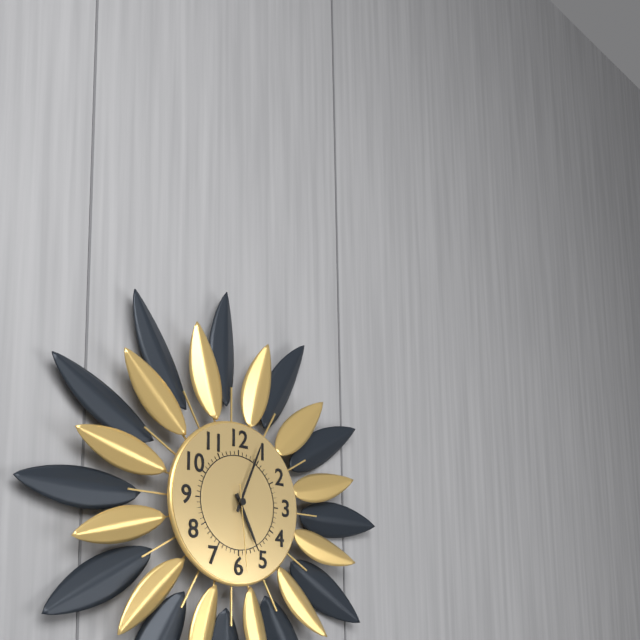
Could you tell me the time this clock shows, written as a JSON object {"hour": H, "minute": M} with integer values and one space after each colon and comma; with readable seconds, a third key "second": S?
{"hour": 5, "minute": 4, "second": 29}
